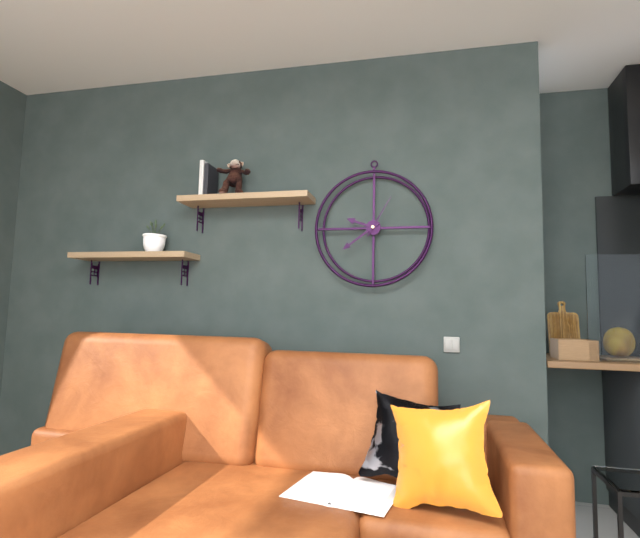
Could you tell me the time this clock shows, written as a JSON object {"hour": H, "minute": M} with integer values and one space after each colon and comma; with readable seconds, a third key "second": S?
{"hour": 9, "minute": 39}
